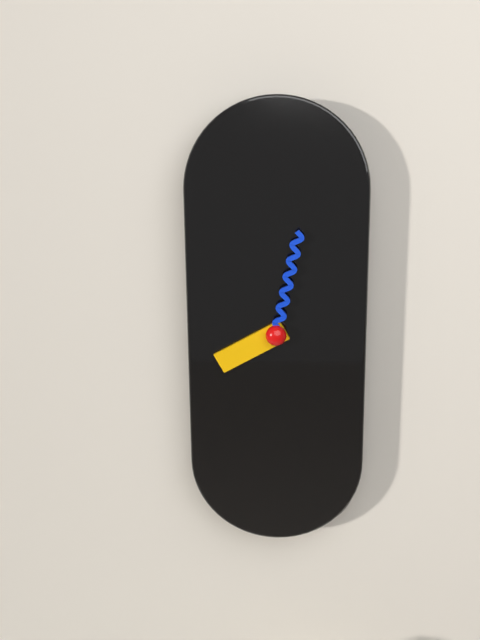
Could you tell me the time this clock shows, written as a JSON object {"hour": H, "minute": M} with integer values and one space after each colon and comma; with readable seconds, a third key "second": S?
{"hour": 8, "minute": 2}
